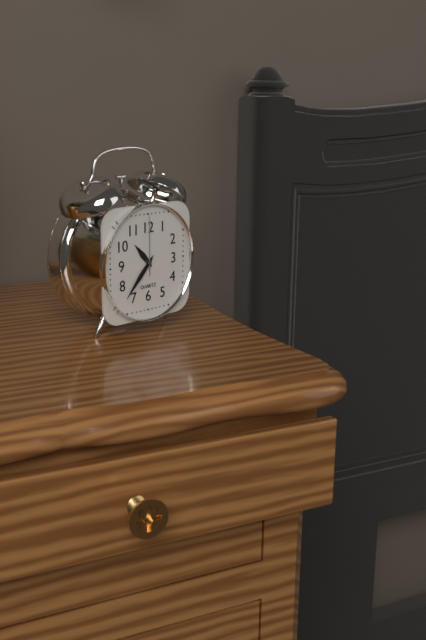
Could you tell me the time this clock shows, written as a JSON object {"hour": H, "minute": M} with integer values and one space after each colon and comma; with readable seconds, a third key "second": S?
{"hour": 10, "minute": 37, "second": 0}
